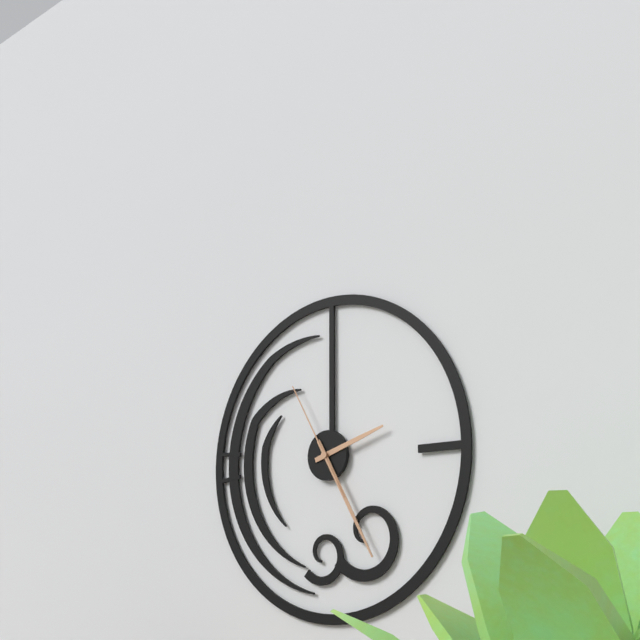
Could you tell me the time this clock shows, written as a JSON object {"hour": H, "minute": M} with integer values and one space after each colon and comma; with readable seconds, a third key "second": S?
{"hour": 2, "minute": 25, "second": 55}
